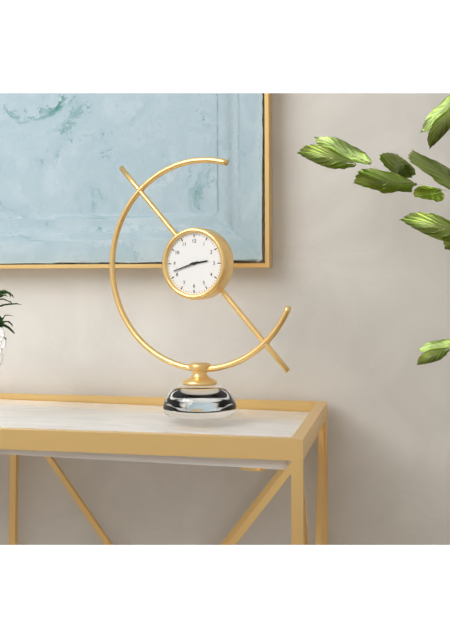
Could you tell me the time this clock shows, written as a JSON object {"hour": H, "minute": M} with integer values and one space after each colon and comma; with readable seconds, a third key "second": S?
{"hour": 2, "minute": 42}
